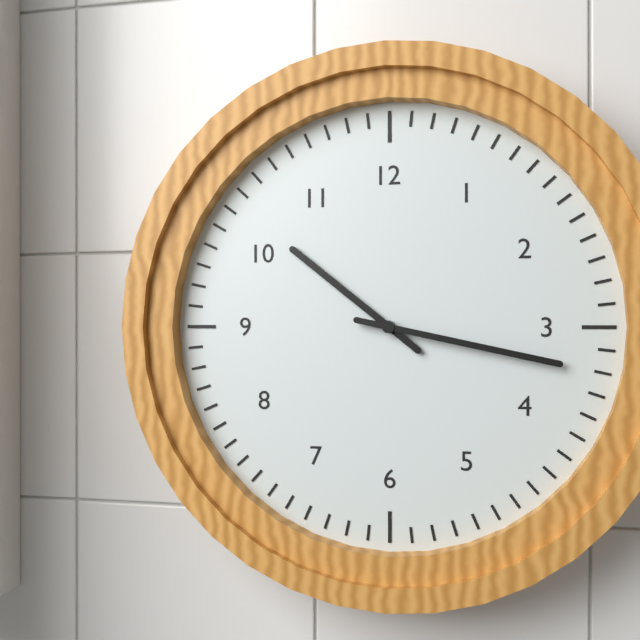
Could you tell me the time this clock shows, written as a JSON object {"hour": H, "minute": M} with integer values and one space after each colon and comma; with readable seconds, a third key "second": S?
{"hour": 10, "minute": 17}
